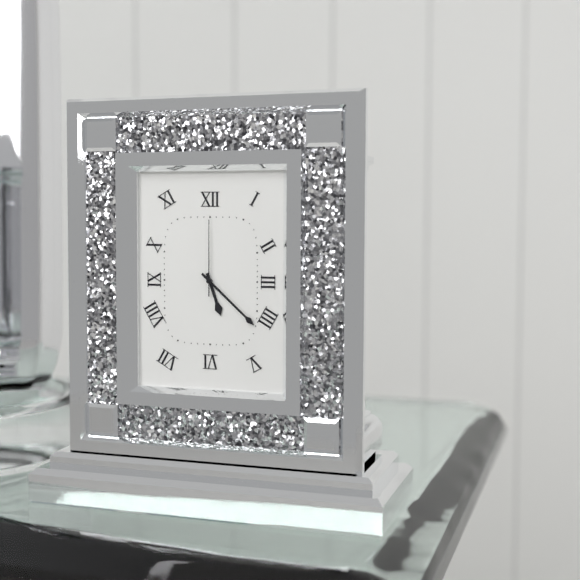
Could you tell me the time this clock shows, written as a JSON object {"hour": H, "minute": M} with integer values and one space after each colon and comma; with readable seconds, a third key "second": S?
{"hour": 5, "minute": 22, "second": 0}
